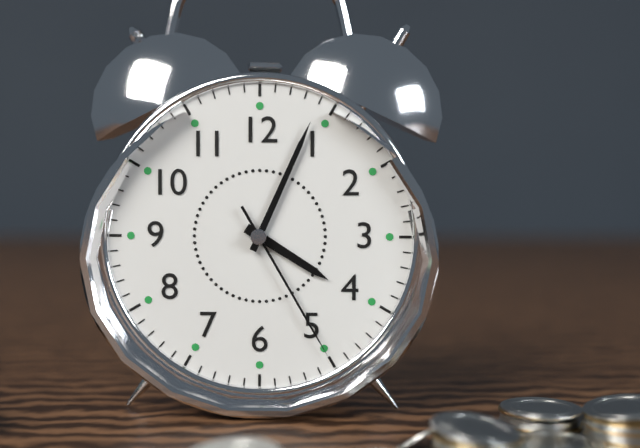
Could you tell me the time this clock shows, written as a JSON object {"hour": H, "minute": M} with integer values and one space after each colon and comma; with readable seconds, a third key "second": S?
{"hour": 4, "minute": 4, "second": 25}
